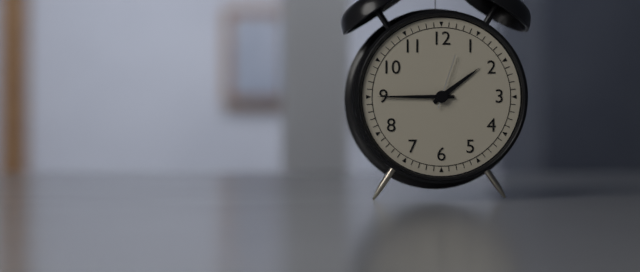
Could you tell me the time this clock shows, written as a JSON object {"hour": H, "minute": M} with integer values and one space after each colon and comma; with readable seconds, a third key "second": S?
{"hour": 1, "minute": 45, "second": 3}
